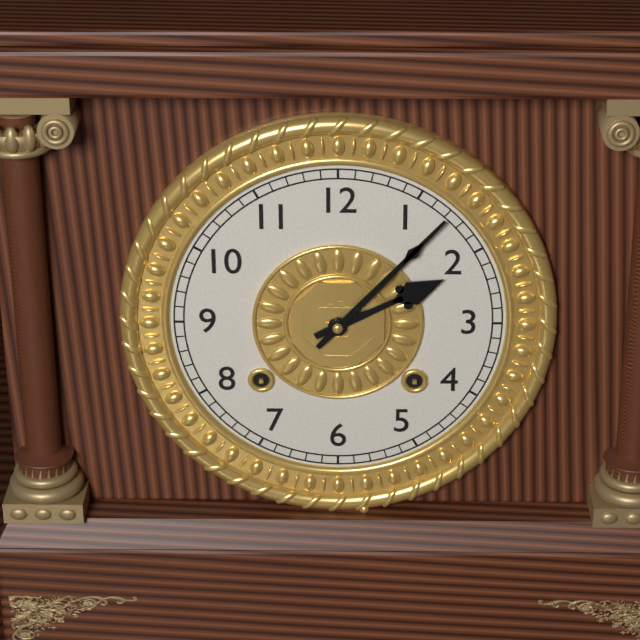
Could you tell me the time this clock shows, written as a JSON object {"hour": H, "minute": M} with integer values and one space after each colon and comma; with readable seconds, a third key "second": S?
{"hour": 2, "minute": 7}
